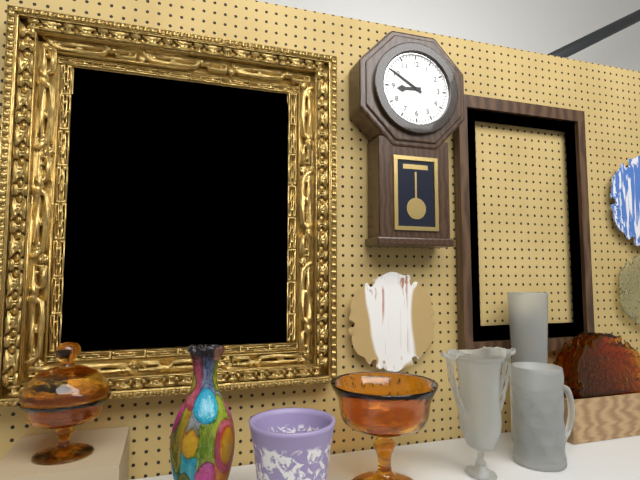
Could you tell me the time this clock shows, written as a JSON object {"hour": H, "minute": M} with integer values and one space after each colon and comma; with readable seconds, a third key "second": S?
{"hour": 8, "minute": 50}
